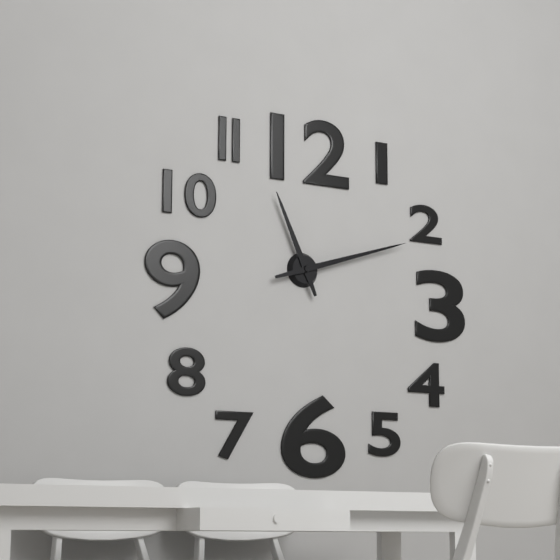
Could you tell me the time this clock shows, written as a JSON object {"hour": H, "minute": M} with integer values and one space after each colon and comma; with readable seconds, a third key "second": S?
{"hour": 11, "minute": 12}
